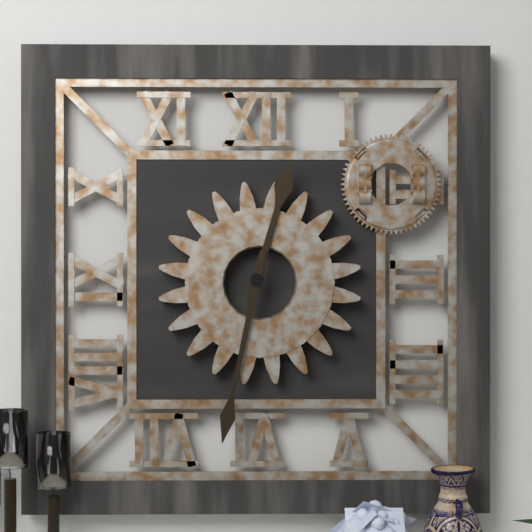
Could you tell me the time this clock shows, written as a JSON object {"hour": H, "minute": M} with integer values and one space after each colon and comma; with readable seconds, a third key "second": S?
{"hour": 12, "minute": 32}
